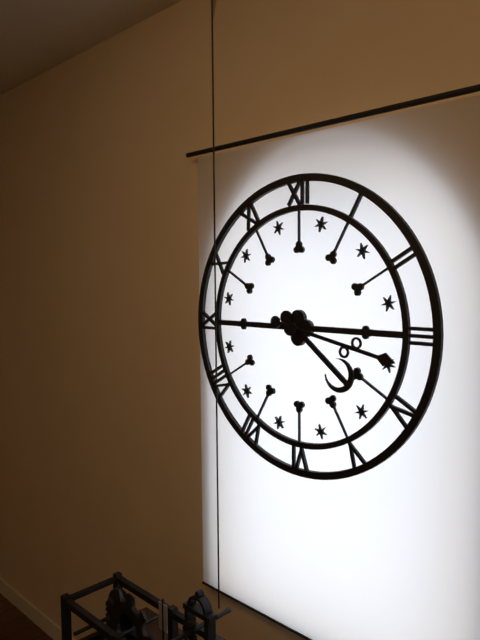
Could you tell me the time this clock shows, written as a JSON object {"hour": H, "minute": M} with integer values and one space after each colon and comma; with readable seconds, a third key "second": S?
{"hour": 4, "minute": 17}
